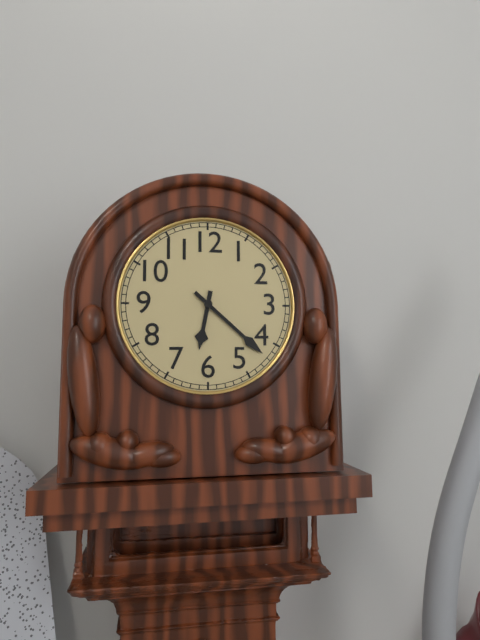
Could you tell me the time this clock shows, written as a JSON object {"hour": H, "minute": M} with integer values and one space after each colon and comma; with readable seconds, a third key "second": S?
{"hour": 6, "minute": 22}
